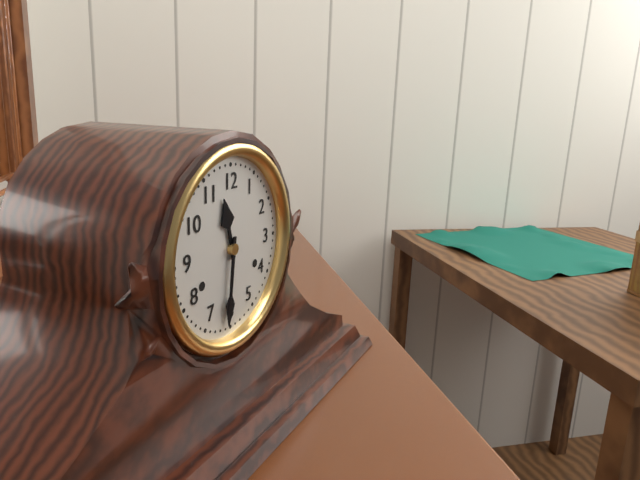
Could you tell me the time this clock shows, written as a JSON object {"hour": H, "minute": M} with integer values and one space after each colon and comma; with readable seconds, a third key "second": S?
{"hour": 11, "minute": 31}
